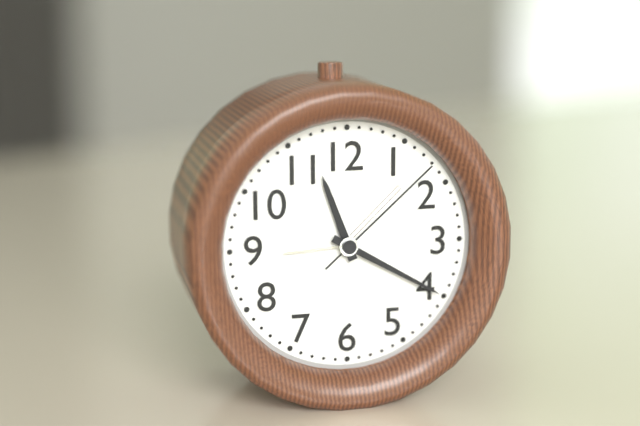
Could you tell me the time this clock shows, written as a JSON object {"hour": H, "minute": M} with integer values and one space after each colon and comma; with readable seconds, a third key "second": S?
{"hour": 11, "minute": 20, "second": 8}
